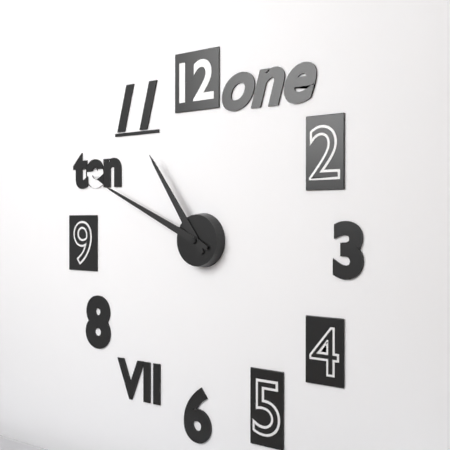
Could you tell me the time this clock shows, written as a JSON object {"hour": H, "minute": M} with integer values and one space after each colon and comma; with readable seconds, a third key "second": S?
{"hour": 10, "minute": 49}
